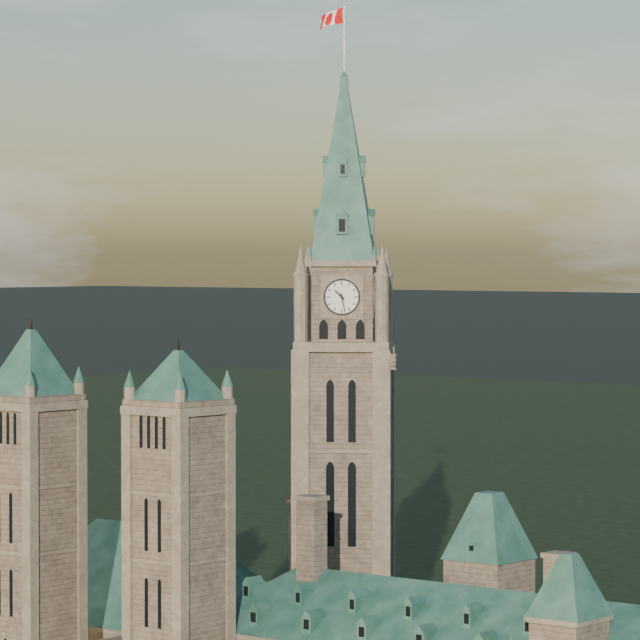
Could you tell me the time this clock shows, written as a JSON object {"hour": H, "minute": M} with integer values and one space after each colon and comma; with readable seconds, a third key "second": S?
{"hour": 10, "minute": 28}
